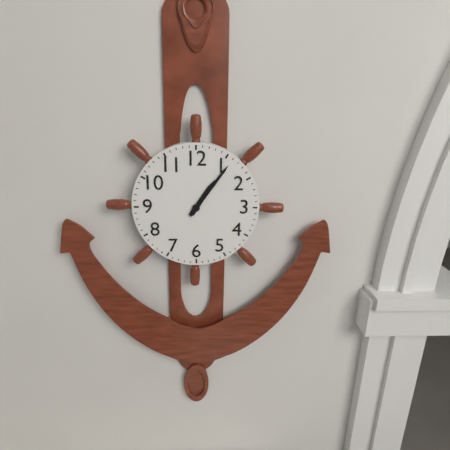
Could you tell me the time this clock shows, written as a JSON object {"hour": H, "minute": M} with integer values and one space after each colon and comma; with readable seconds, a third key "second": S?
{"hour": 1, "minute": 6}
